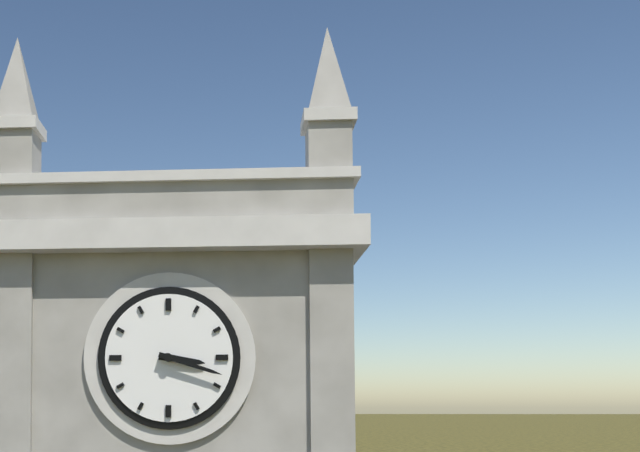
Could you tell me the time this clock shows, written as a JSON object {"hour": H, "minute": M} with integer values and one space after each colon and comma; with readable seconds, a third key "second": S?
{"hour": 3, "minute": 18}
